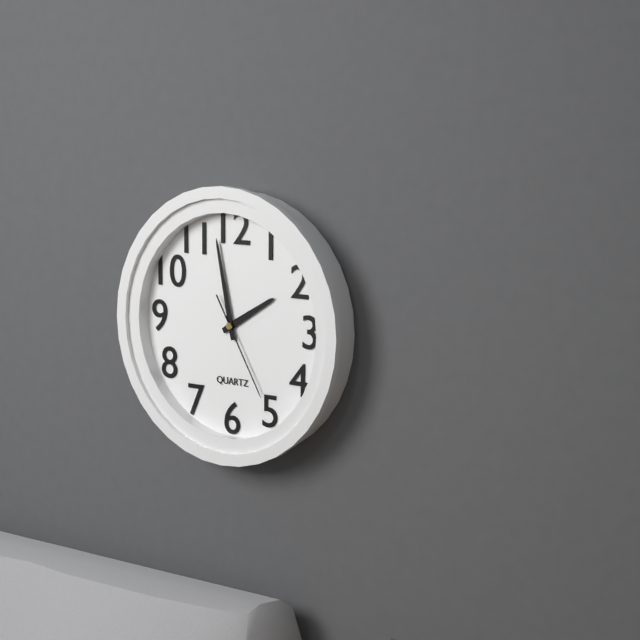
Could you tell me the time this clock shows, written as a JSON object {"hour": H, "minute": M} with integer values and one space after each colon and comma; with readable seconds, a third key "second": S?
{"hour": 1, "minute": 58, "second": 25}
